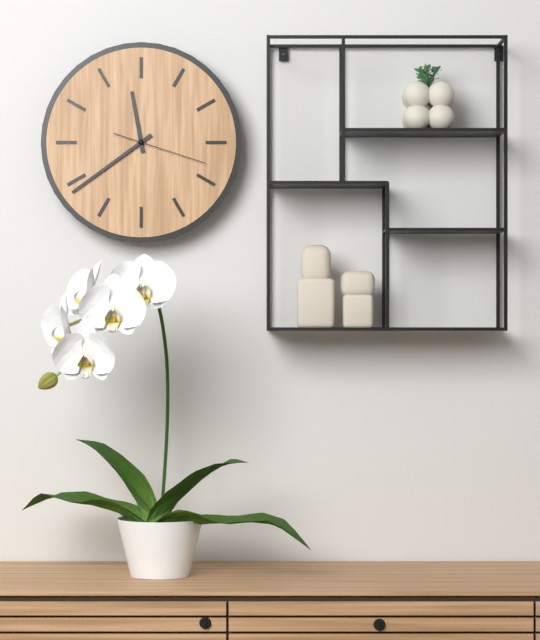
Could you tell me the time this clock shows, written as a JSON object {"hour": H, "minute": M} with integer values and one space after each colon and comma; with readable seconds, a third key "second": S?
{"hour": 11, "minute": 39, "second": 18}
